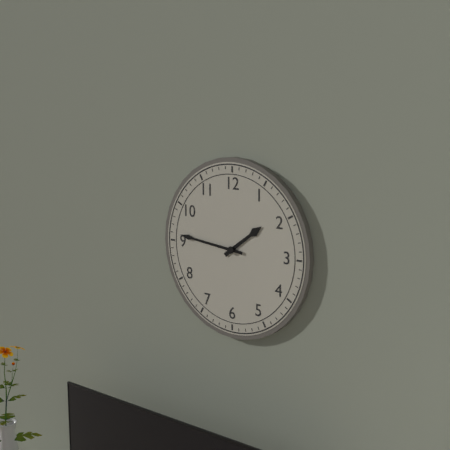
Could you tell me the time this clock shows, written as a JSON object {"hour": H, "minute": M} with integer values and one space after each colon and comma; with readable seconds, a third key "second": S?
{"hour": 1, "minute": 46}
